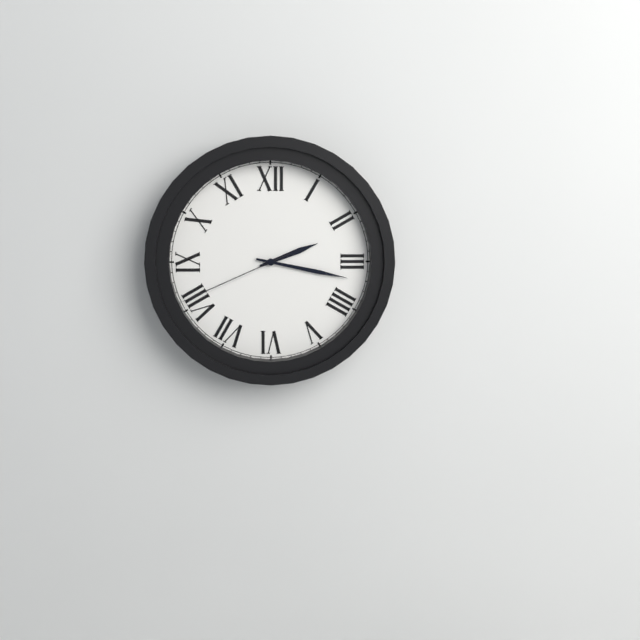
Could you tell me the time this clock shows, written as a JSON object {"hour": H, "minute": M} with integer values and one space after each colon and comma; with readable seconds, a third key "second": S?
{"hour": 2, "minute": 17, "second": 41}
